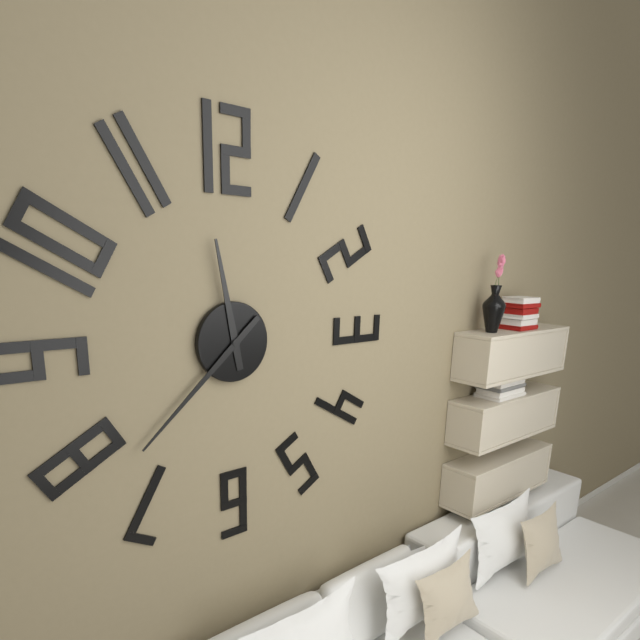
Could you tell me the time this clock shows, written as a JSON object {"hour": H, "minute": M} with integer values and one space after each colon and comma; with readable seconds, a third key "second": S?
{"hour": 11, "minute": 38}
